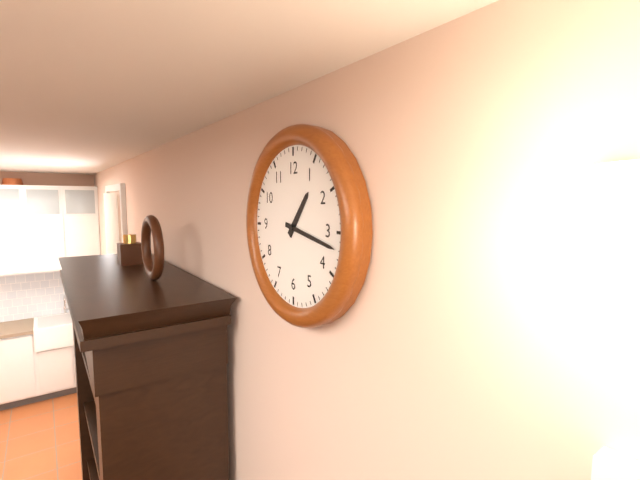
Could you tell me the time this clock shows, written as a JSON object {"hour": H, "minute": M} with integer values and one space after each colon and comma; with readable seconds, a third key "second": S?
{"hour": 1, "minute": 17}
